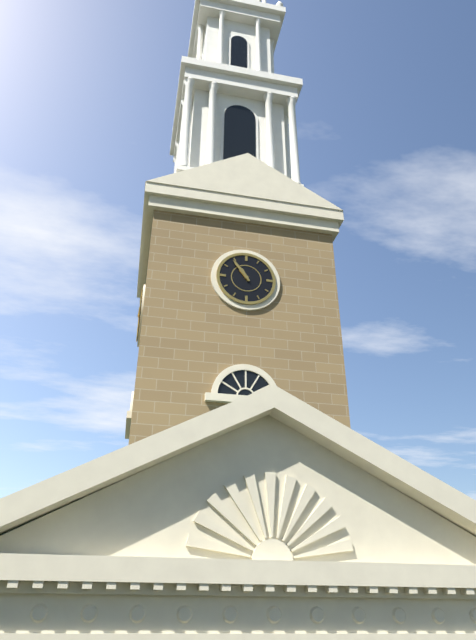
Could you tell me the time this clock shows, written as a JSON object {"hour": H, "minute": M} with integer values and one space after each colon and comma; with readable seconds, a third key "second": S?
{"hour": 10, "minute": 54}
